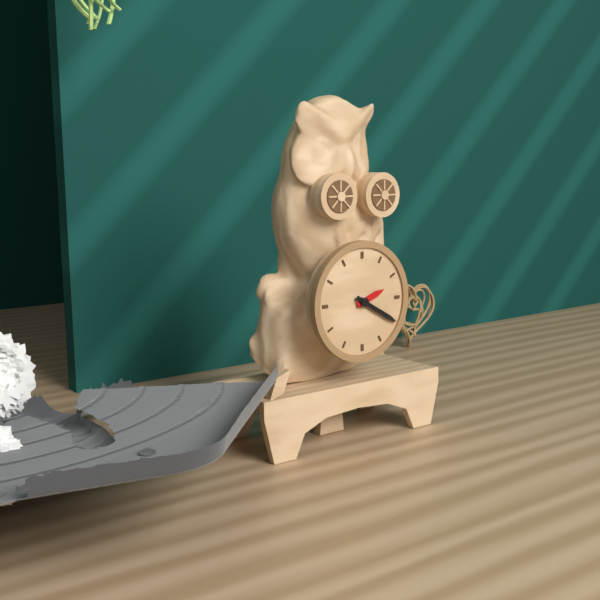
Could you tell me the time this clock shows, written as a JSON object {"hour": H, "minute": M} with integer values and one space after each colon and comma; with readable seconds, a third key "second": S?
{"hour": 2, "minute": 20}
